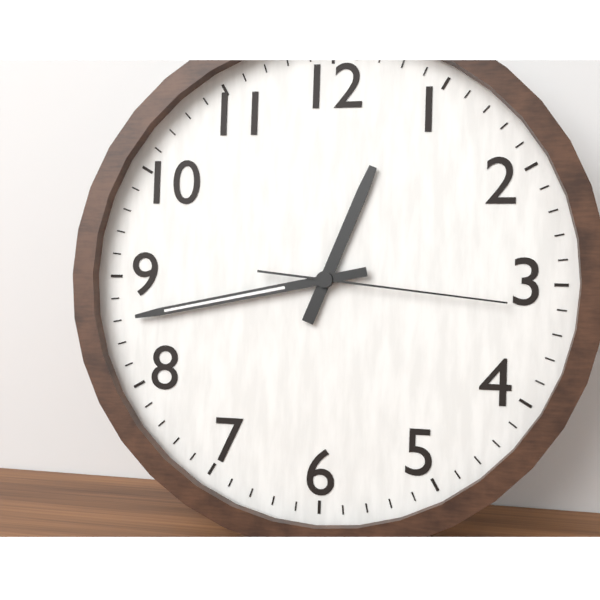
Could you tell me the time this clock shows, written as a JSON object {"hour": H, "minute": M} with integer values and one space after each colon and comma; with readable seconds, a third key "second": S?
{"hour": 12, "minute": 43, "second": 16}
